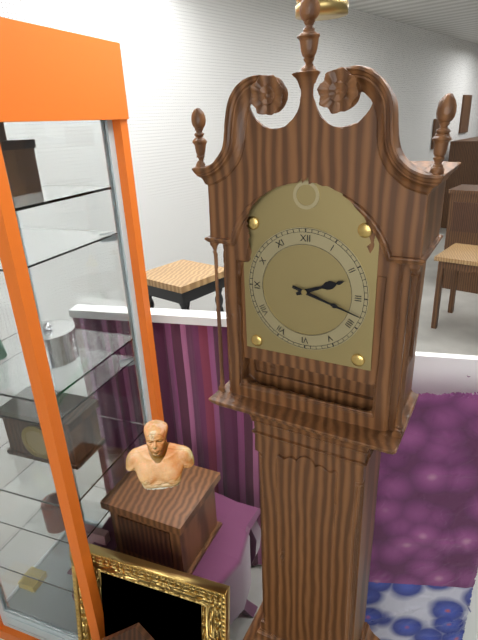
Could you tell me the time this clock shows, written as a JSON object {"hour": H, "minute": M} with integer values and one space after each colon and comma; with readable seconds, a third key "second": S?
{"hour": 2, "minute": 18}
